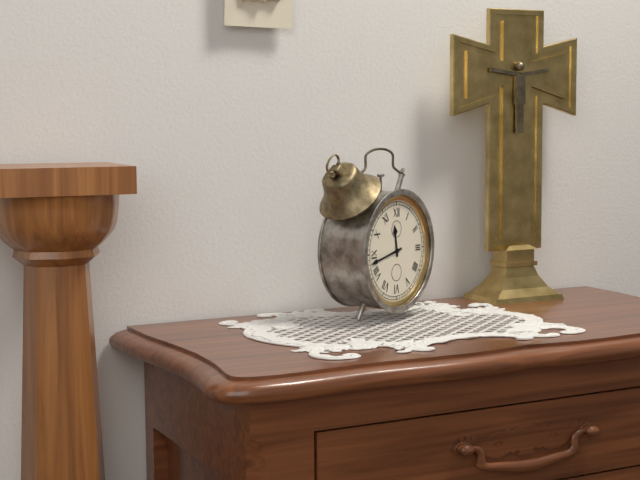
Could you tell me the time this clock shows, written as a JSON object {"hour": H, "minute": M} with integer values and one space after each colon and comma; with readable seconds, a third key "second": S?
{"hour": 11, "minute": 43}
